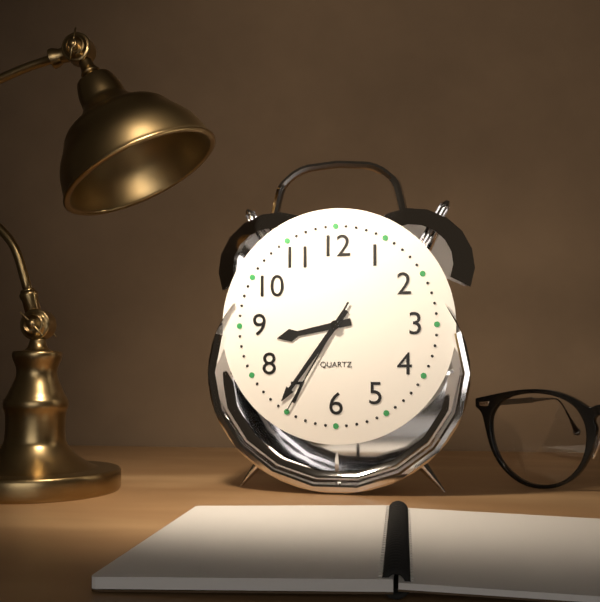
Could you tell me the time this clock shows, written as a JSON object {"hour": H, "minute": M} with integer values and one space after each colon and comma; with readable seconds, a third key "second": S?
{"hour": 8, "minute": 36, "second": 35}
